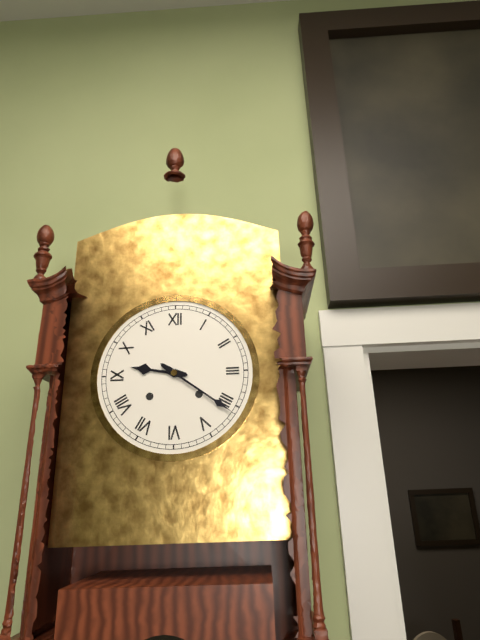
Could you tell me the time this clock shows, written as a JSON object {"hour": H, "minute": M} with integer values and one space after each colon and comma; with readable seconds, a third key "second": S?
{"hour": 9, "minute": 21}
